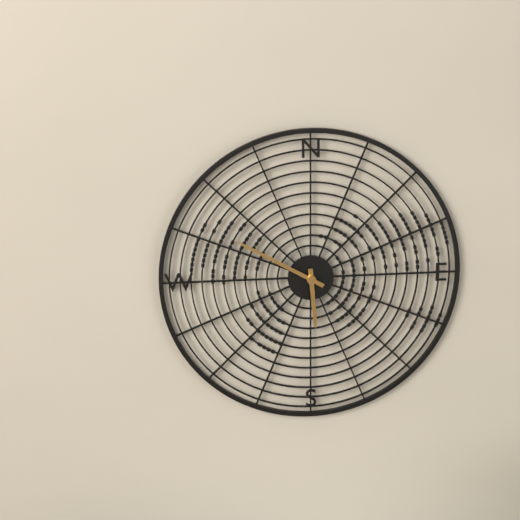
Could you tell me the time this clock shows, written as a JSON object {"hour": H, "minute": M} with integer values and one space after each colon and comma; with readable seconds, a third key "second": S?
{"hour": 5, "minute": 50}
